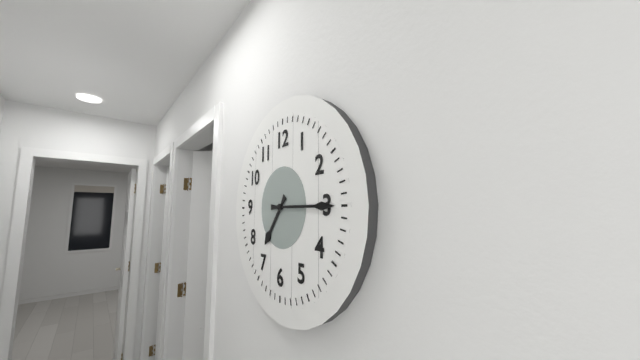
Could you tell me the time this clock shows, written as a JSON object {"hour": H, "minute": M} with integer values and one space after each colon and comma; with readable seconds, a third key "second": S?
{"hour": 7, "minute": 15}
